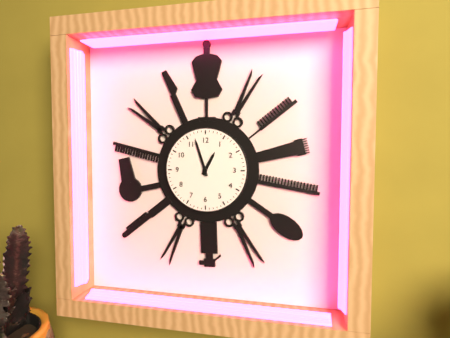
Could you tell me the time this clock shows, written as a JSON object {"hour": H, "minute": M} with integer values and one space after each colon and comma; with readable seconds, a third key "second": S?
{"hour": 12, "minute": 57}
